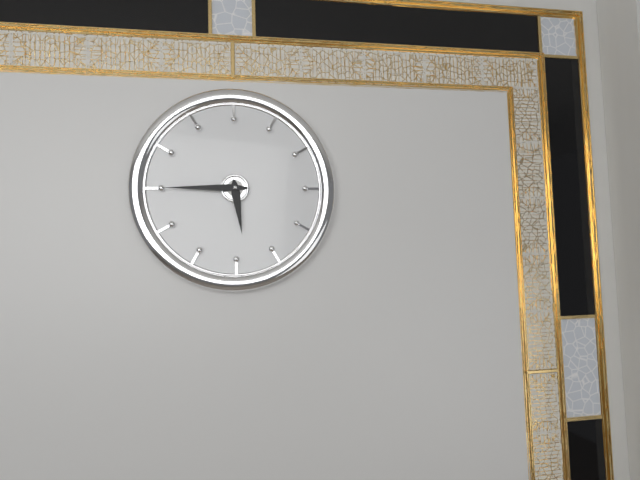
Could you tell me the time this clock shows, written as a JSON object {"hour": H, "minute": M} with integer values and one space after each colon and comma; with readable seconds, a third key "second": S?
{"hour": 5, "minute": 45}
